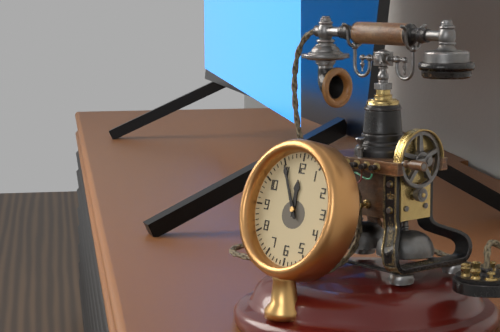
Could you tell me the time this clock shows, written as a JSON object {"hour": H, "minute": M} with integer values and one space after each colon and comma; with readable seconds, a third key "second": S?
{"hour": 11, "minute": 55}
